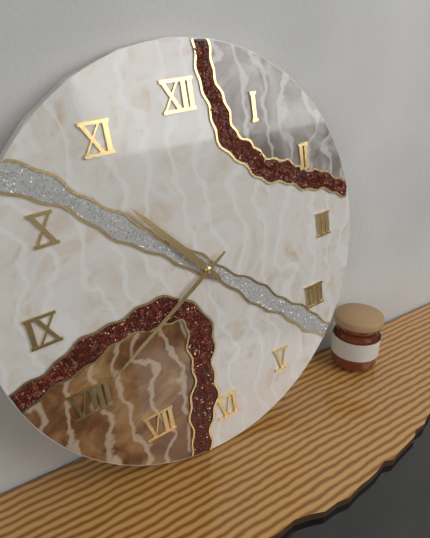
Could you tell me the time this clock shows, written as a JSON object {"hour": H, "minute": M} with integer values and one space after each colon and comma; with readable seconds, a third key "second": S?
{"hour": 10, "minute": 40}
